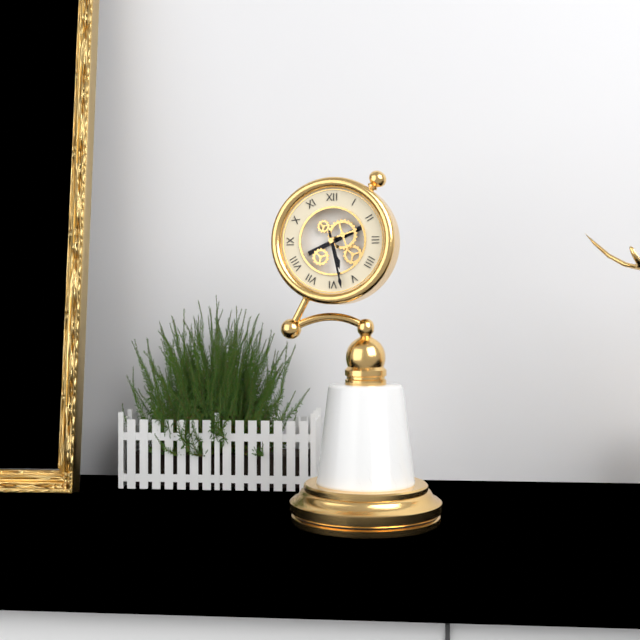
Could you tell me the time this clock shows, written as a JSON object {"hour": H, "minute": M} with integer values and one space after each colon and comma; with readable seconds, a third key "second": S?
{"hour": 5, "minute": 28}
